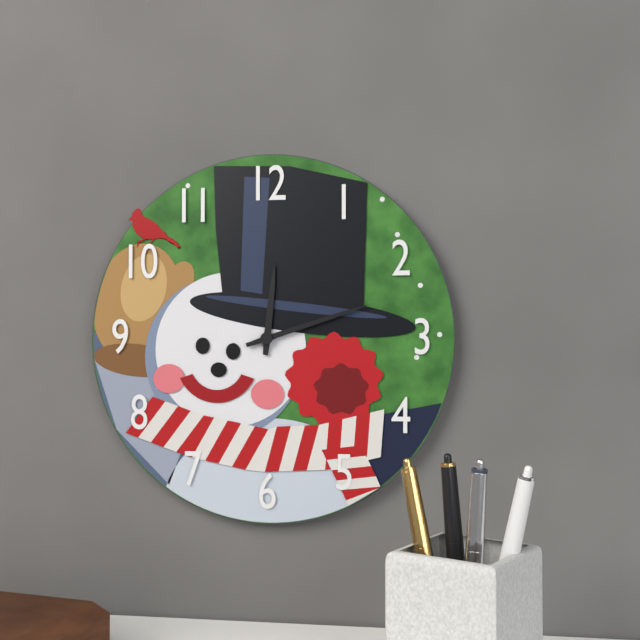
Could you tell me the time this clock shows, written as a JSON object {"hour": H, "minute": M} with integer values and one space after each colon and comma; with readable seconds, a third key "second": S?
{"hour": 12, "minute": 12}
